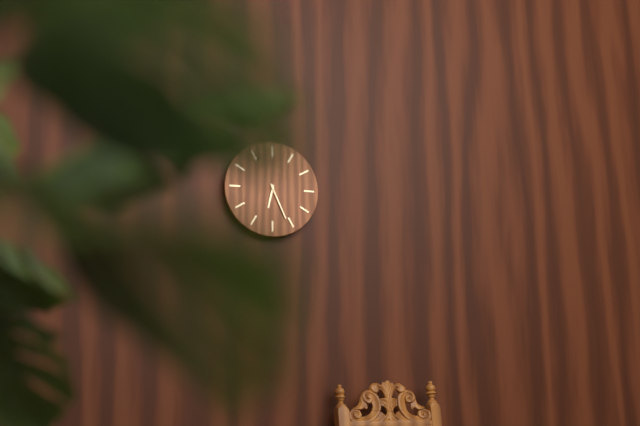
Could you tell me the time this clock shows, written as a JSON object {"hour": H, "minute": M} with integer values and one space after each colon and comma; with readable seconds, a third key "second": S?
{"hour": 6, "minute": 26}
